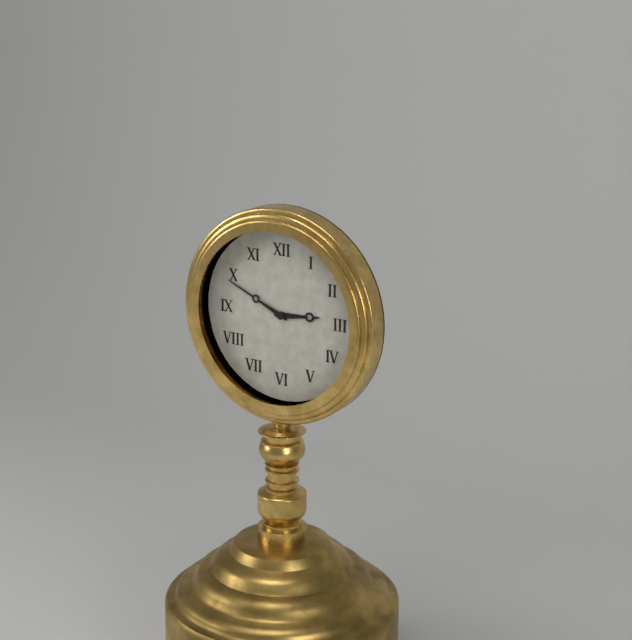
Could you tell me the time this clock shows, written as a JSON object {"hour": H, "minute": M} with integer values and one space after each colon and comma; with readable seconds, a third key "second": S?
{"hour": 2, "minute": 49}
